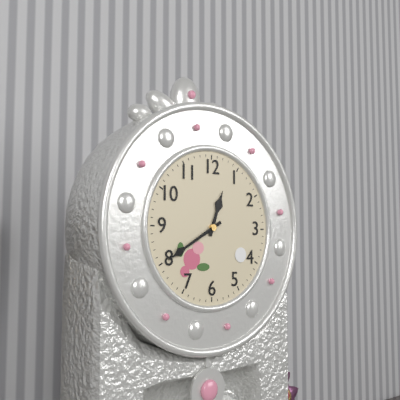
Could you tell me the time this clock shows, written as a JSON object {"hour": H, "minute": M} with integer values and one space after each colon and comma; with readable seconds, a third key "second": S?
{"hour": 12, "minute": 40}
